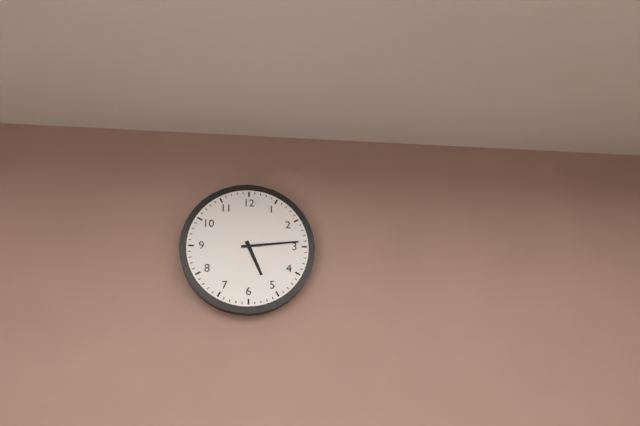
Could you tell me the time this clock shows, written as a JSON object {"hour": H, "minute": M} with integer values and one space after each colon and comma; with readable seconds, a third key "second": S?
{"hour": 5, "minute": 14}
